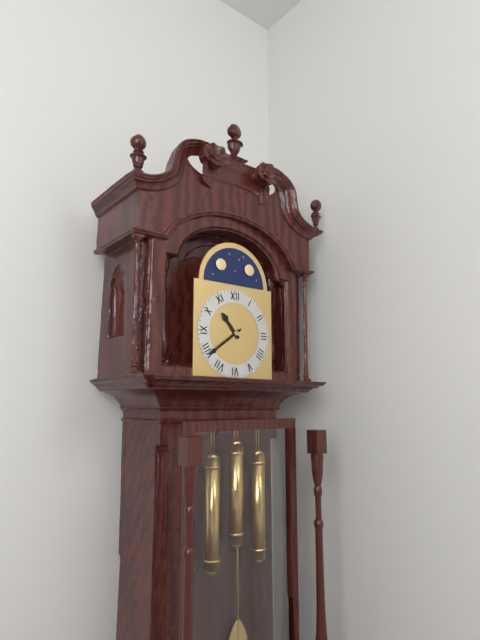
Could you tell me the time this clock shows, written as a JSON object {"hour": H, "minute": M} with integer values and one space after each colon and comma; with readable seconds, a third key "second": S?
{"hour": 10, "minute": 39}
